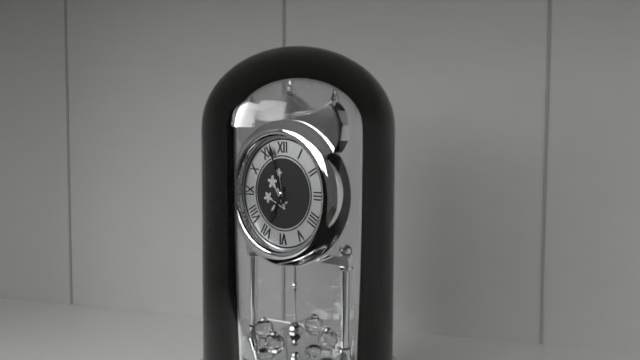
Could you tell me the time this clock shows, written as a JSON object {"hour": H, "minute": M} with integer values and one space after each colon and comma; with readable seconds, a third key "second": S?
{"hour": 6, "minute": 57}
